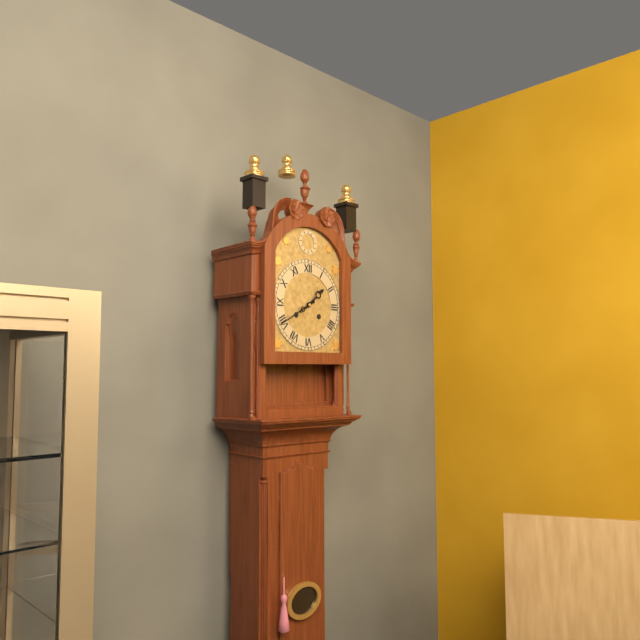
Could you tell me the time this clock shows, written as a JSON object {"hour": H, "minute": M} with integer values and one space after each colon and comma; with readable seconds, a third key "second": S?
{"hour": 1, "minute": 40}
